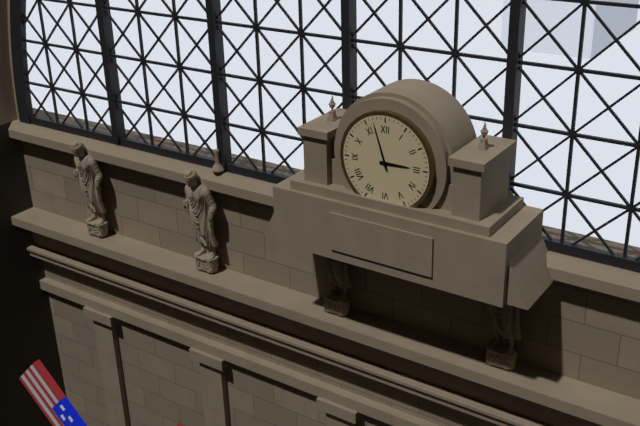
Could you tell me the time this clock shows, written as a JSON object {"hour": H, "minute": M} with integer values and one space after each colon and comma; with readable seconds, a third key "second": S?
{"hour": 2, "minute": 57}
